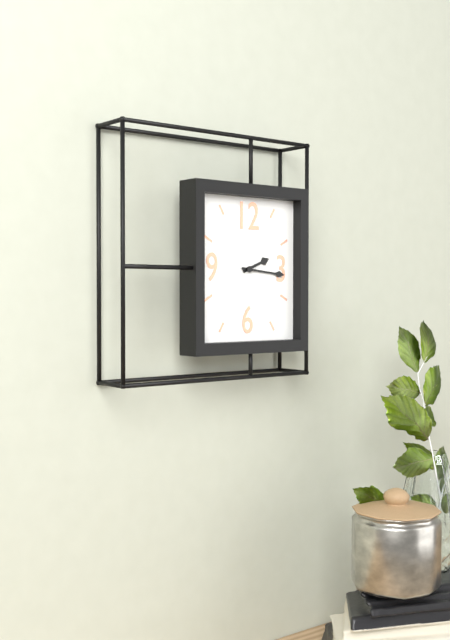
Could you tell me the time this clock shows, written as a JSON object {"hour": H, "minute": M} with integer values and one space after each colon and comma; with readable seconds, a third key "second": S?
{"hour": 2, "minute": 16}
